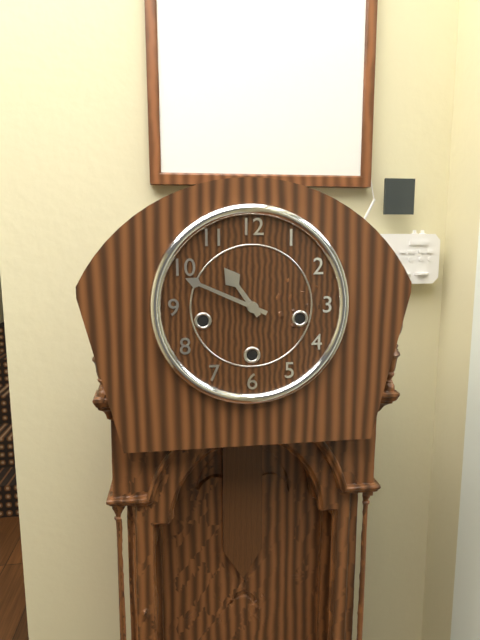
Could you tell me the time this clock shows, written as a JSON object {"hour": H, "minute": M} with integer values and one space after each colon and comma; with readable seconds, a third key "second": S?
{"hour": 10, "minute": 49}
